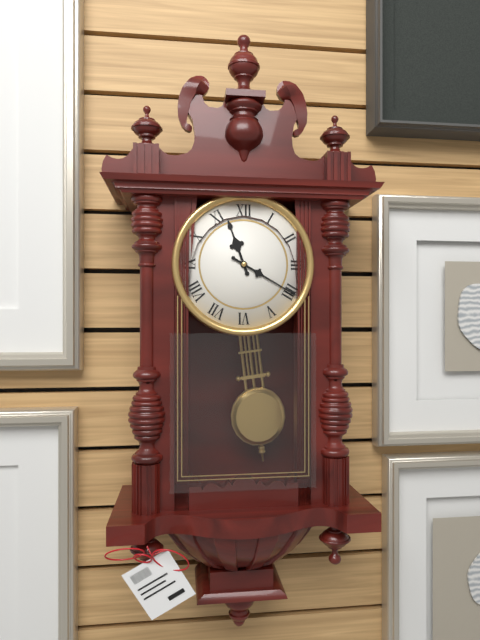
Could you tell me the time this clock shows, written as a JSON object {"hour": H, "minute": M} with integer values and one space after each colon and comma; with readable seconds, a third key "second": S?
{"hour": 11, "minute": 20}
